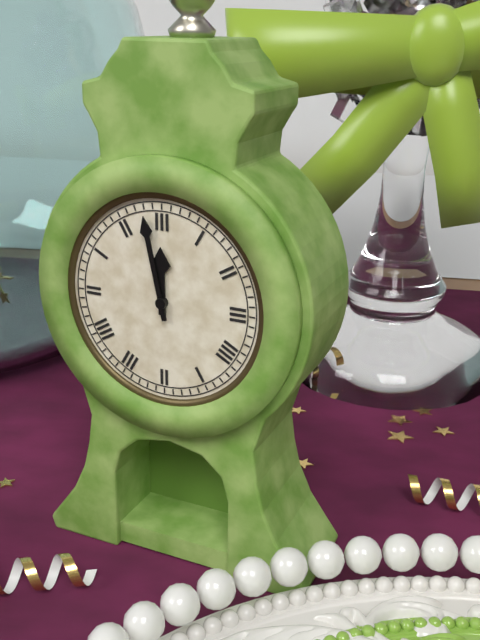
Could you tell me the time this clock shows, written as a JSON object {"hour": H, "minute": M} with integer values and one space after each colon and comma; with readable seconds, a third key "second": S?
{"hour": 11, "minute": 58}
